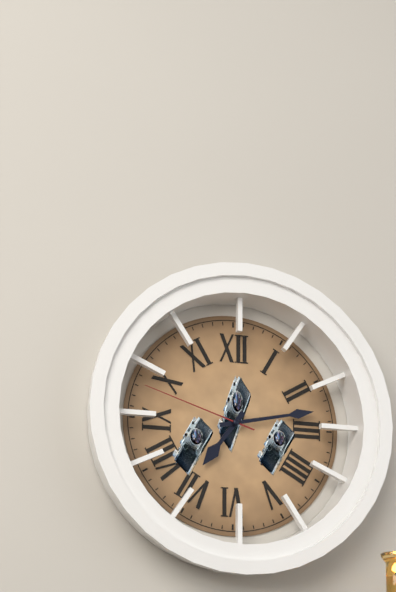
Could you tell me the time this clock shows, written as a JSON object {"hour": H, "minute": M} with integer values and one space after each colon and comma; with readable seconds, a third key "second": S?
{"hour": 7, "minute": 13, "second": 48}
